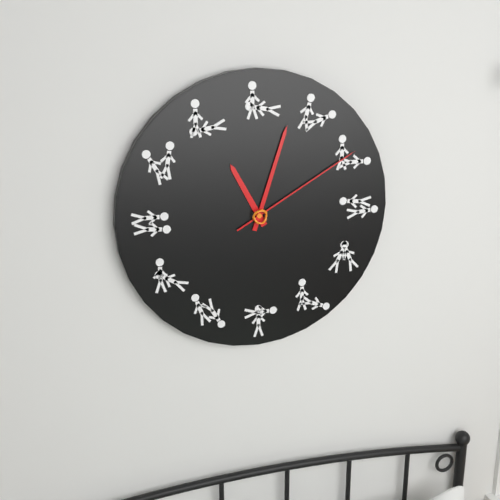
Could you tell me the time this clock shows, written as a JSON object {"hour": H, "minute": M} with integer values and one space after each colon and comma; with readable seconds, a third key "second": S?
{"hour": 11, "minute": 3, "second": 10}
